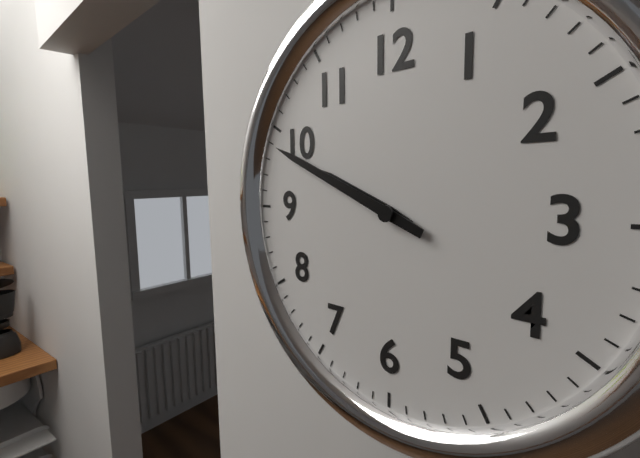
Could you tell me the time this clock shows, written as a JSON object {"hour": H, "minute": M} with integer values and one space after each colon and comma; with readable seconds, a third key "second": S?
{"hour": 9, "minute": 49}
